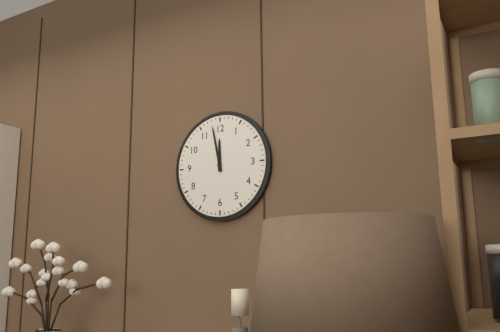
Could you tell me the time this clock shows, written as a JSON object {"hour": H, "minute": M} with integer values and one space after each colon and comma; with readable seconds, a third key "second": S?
{"hour": 11, "minute": 58}
